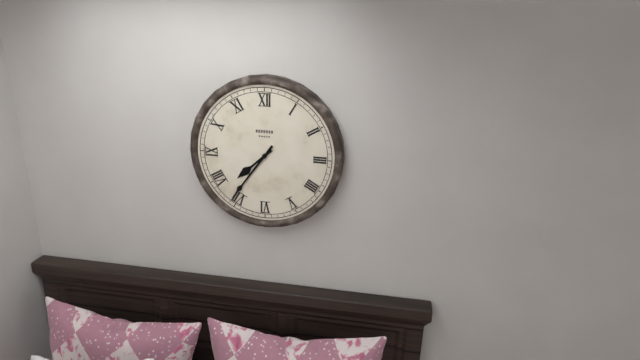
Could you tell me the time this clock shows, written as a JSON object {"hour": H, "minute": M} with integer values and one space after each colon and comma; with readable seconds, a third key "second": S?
{"hour": 7, "minute": 36}
